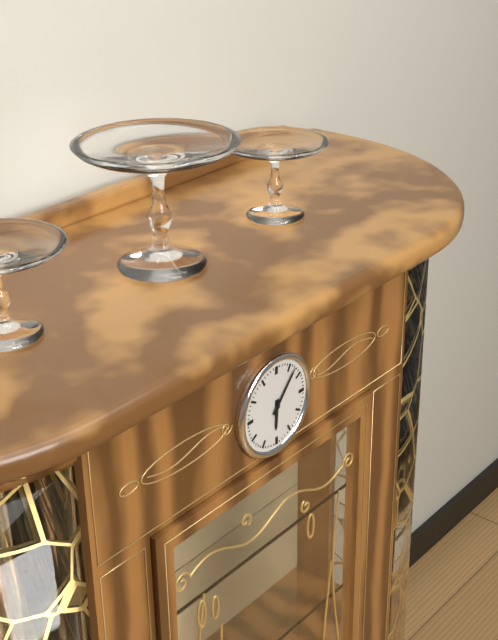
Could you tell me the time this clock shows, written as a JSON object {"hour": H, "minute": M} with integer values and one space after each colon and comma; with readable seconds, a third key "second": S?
{"hour": 6, "minute": 7}
